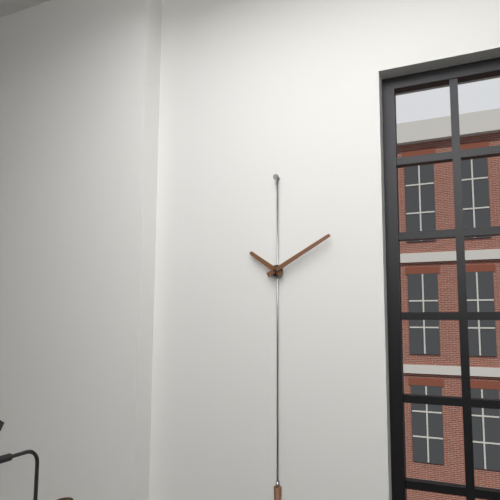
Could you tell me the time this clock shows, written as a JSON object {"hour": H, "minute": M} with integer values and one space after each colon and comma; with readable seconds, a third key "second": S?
{"hour": 10, "minute": 10}
